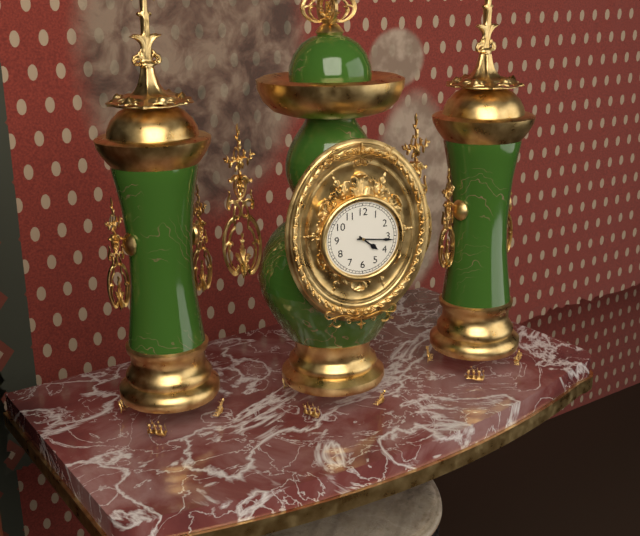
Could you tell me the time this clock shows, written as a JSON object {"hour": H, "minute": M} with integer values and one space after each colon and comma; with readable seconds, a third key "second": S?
{"hour": 4, "minute": 16}
